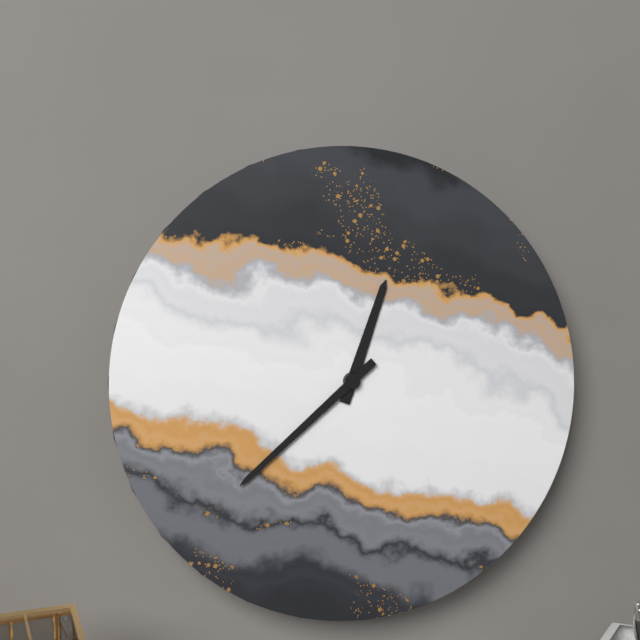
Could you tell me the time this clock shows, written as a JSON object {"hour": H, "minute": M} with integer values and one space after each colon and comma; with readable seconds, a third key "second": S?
{"hour": 12, "minute": 38}
